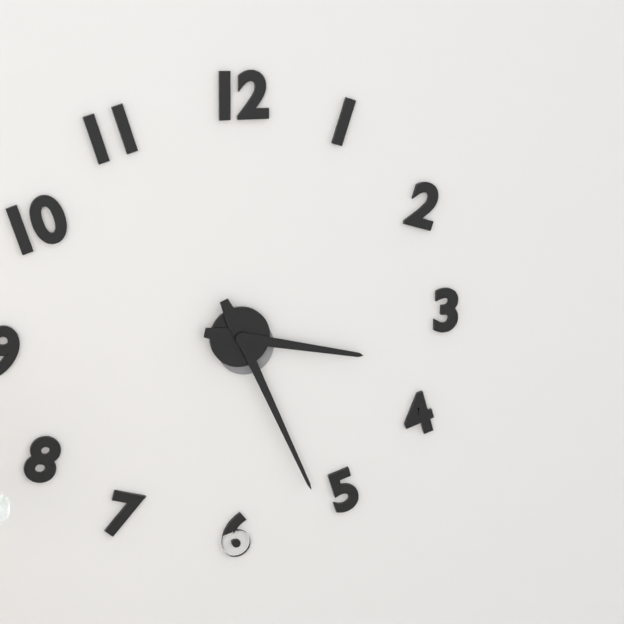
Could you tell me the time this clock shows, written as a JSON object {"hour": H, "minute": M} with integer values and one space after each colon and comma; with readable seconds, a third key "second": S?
{"hour": 3, "minute": 26}
